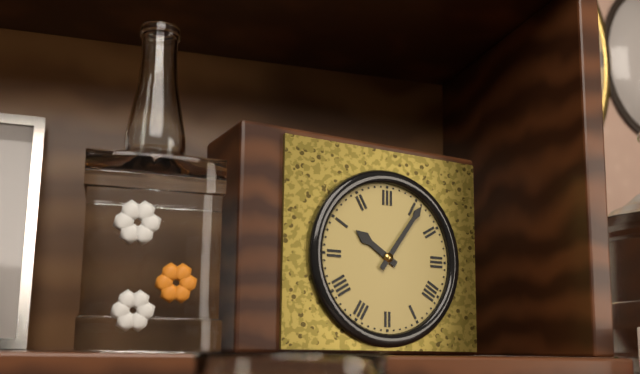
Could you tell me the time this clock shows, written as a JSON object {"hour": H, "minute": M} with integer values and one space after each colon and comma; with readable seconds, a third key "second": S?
{"hour": 10, "minute": 6}
